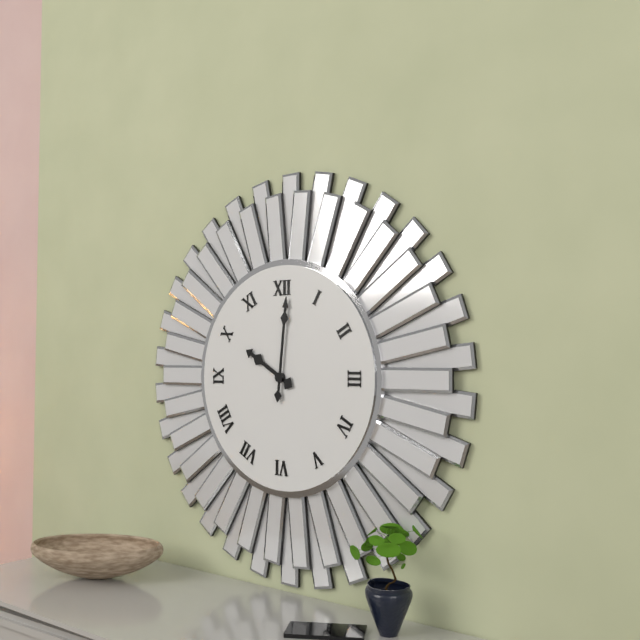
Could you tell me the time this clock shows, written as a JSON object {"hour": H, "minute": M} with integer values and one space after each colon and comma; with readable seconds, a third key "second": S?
{"hour": 10, "minute": 1}
